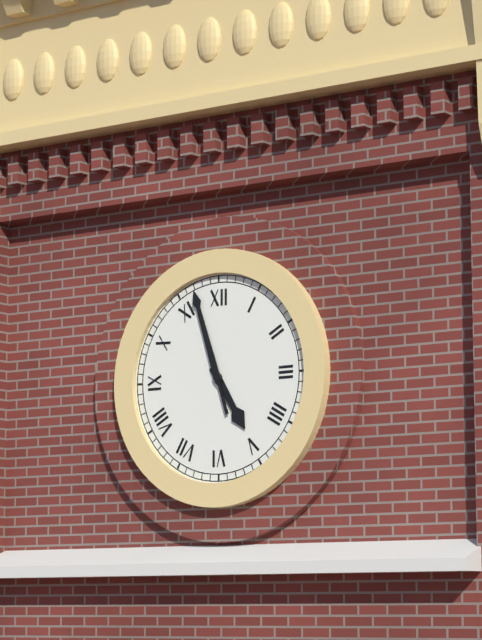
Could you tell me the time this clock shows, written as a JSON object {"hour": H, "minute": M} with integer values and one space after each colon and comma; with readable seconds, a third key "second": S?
{"hour": 4, "minute": 57}
